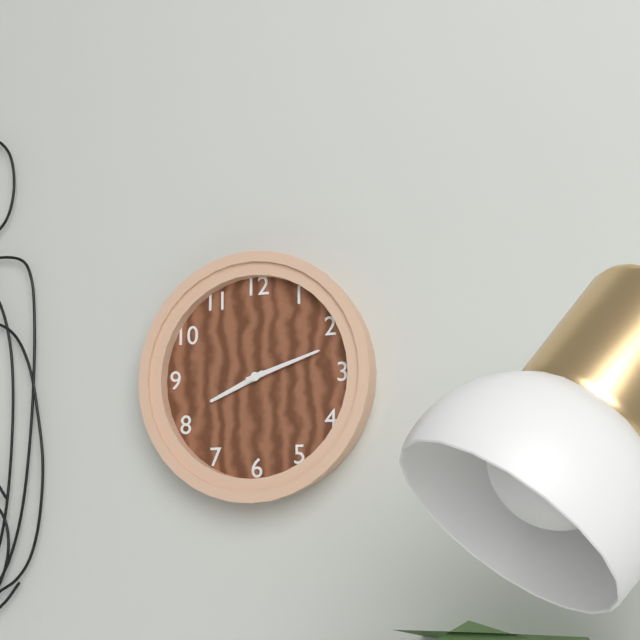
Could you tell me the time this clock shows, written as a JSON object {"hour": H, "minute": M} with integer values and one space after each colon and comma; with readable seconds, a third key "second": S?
{"hour": 8, "minute": 12}
